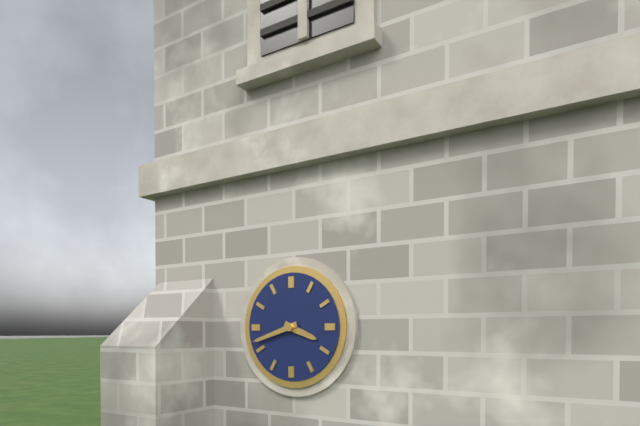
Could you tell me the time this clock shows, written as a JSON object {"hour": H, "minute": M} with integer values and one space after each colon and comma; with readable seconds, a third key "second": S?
{"hour": 3, "minute": 42}
